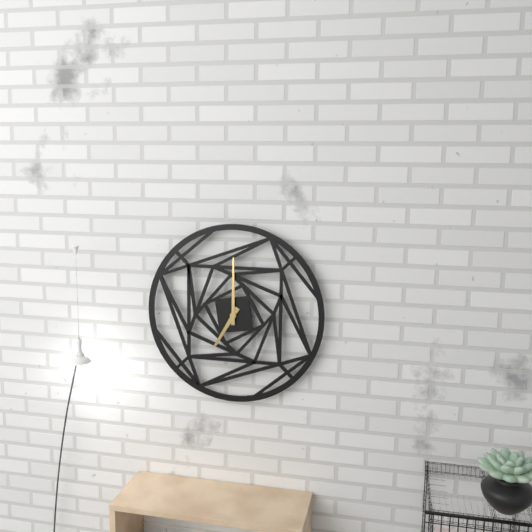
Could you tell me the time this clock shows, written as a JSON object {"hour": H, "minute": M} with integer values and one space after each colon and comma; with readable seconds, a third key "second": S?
{"hour": 7, "minute": 0}
